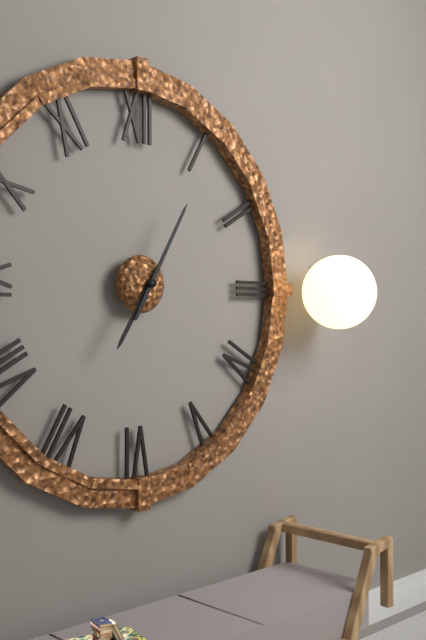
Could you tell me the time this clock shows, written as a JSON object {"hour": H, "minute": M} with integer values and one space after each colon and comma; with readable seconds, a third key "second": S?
{"hour": 7, "minute": 5}
